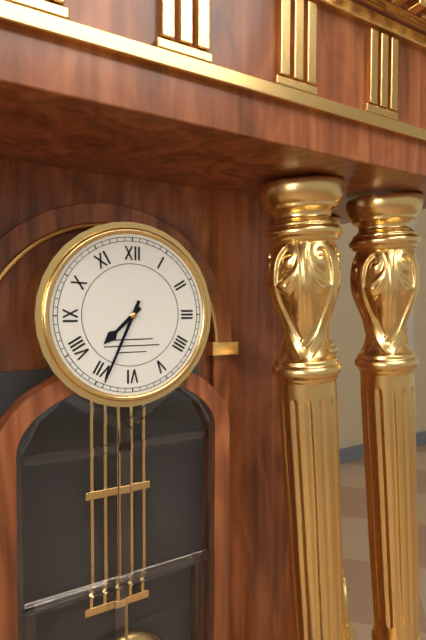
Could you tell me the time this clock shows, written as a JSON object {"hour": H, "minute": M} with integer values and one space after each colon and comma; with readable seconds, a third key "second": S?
{"hour": 7, "minute": 34}
